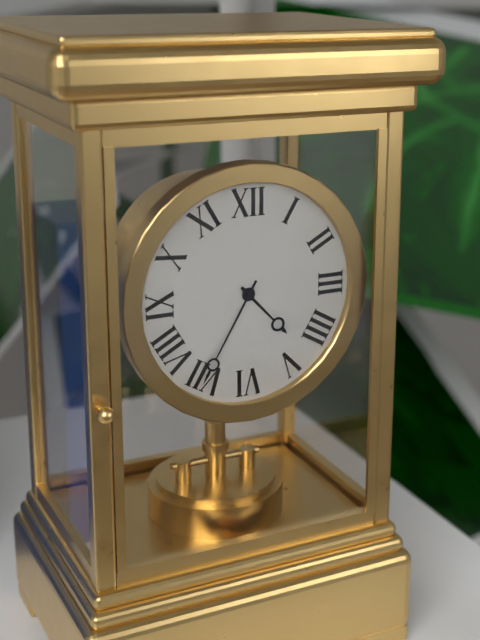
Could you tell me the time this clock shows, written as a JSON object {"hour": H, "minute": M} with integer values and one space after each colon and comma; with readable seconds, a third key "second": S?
{"hour": 4, "minute": 35}
